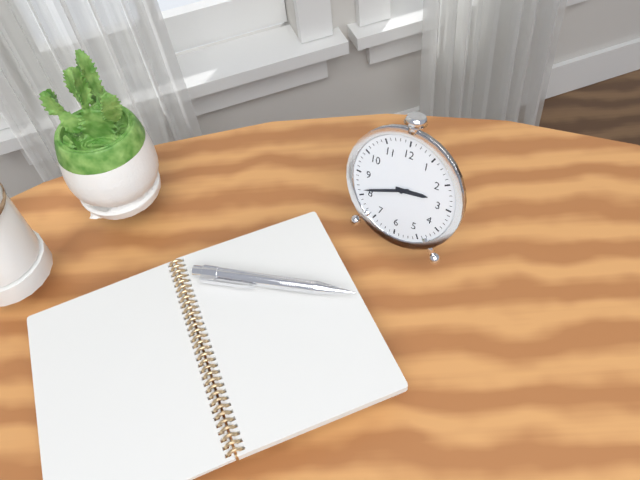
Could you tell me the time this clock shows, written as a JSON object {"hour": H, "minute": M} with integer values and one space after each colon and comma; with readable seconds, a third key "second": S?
{"hour": 2, "minute": 41}
